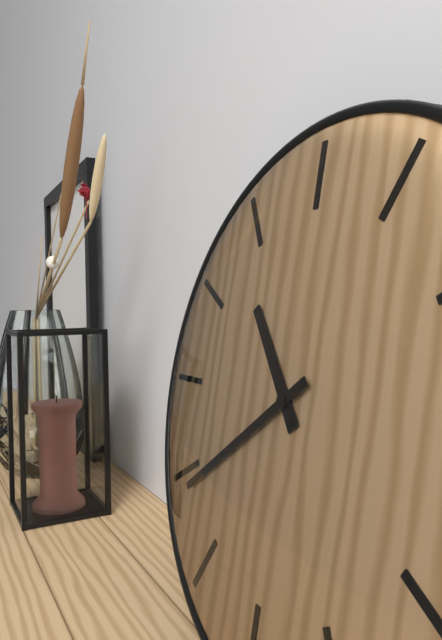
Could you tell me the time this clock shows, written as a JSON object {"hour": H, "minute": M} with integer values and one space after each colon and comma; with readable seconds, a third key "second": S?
{"hour": 10, "minute": 39}
